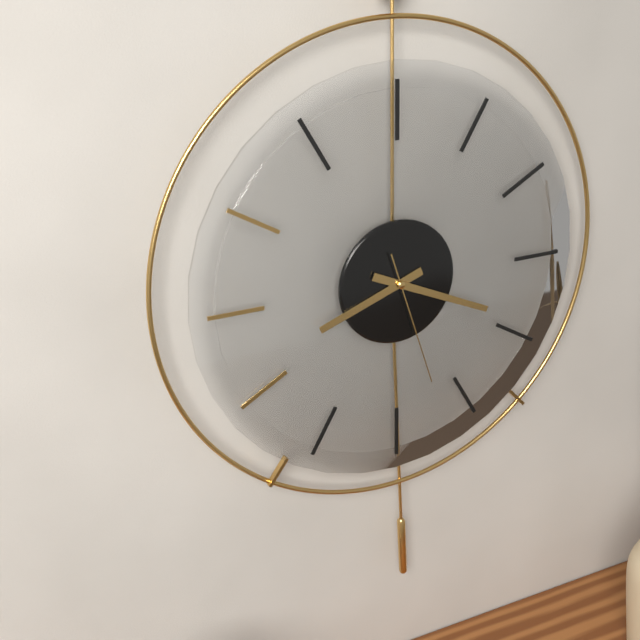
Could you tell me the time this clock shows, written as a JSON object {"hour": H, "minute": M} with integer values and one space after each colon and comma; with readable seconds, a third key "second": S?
{"hour": 8, "minute": 19, "second": 27}
